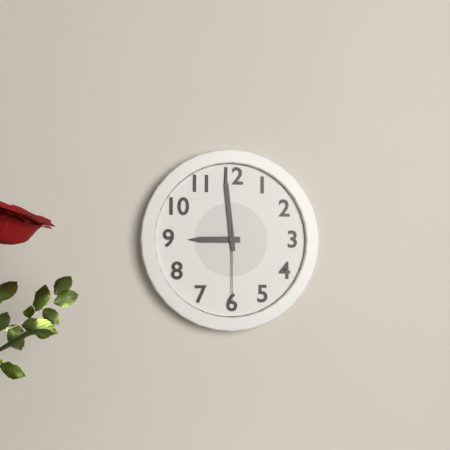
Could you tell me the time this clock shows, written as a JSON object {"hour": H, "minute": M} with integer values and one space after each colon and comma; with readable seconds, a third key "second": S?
{"hour": 8, "minute": 59, "second": 30}
